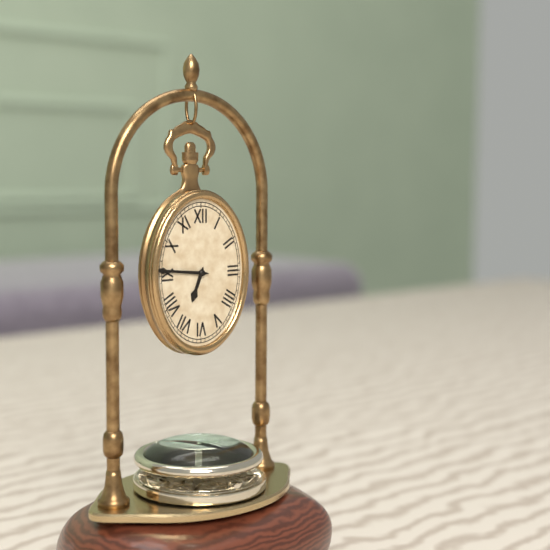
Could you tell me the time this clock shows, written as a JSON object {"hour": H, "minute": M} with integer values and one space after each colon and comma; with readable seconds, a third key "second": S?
{"hour": 6, "minute": 46}
